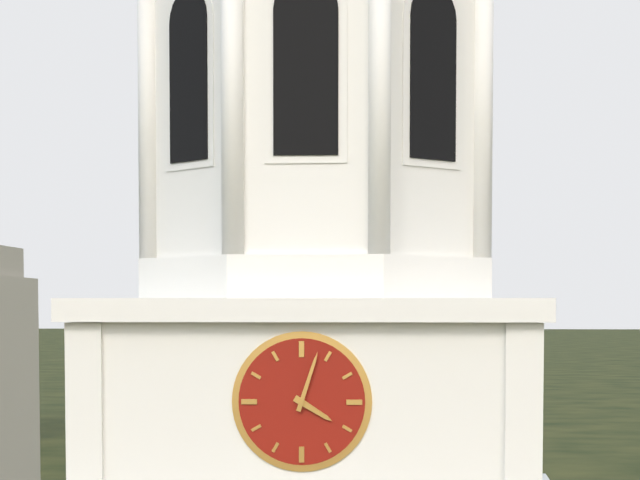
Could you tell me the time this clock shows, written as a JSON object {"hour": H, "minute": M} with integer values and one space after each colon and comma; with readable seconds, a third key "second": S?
{"hour": 4, "minute": 3}
